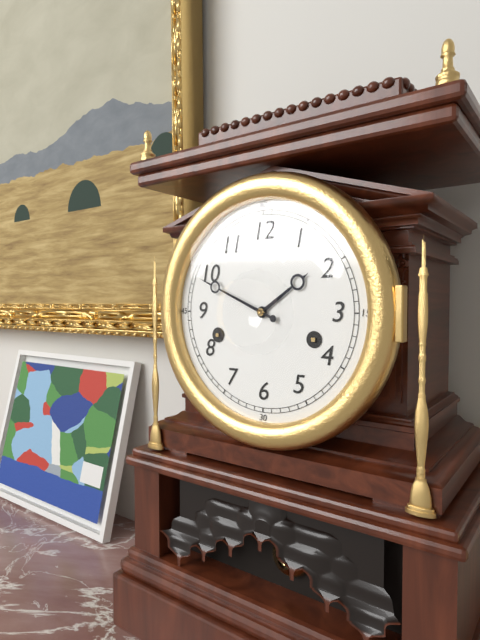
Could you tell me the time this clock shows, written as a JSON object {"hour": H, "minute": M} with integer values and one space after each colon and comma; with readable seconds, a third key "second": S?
{"hour": 1, "minute": 49}
